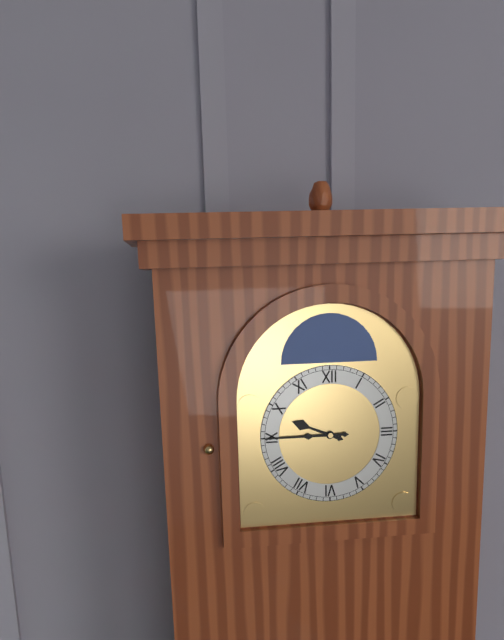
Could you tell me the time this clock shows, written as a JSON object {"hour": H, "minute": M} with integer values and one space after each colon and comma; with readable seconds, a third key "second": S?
{"hour": 9, "minute": 45}
